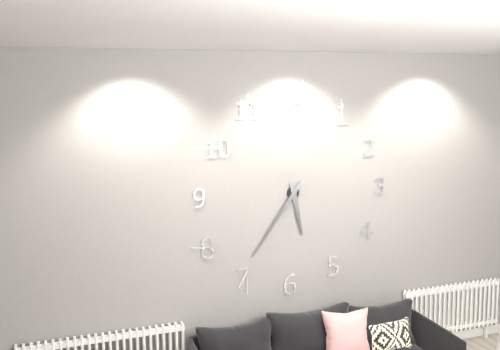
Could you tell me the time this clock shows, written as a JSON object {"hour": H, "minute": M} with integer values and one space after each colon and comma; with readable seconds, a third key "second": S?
{"hour": 5, "minute": 36}
